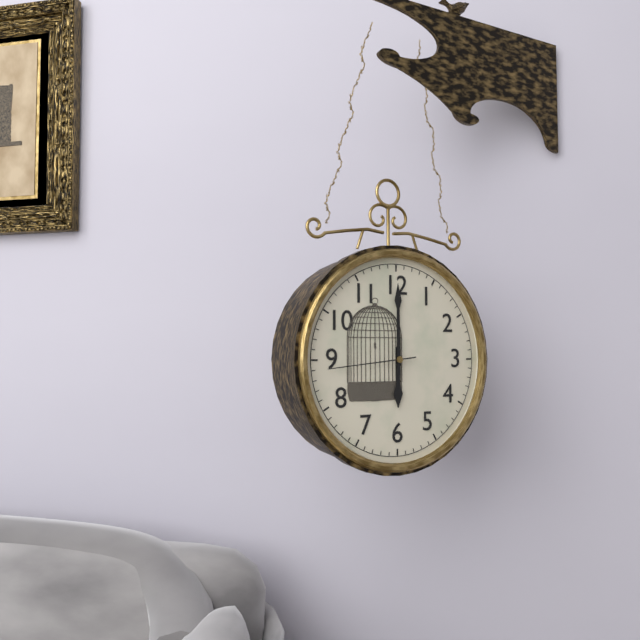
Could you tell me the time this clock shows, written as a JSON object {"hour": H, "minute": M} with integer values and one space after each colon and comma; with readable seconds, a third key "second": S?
{"hour": 6, "minute": 0, "second": 44}
